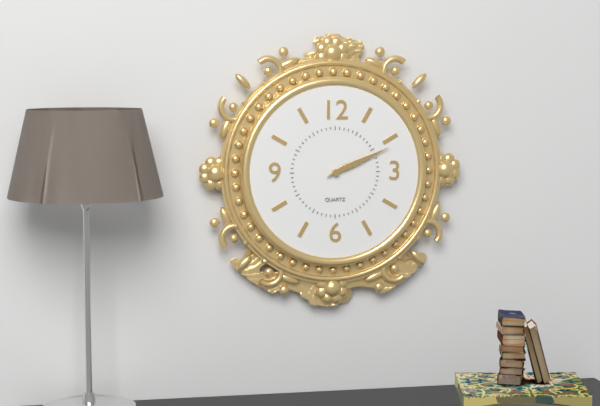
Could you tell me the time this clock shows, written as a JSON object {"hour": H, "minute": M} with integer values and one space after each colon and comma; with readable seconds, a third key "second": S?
{"hour": 2, "minute": 11}
